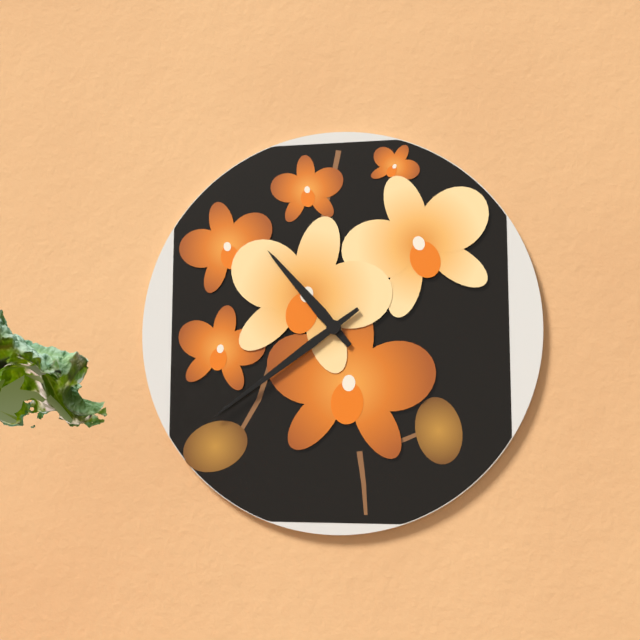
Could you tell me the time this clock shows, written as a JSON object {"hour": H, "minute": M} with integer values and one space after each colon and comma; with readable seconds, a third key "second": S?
{"hour": 10, "minute": 39}
